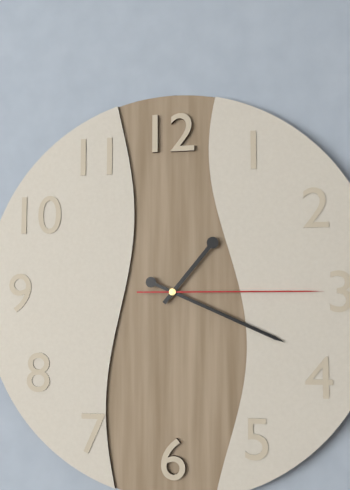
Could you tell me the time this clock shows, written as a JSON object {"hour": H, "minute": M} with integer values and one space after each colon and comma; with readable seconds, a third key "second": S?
{"hour": 1, "minute": 19, "second": 15}
